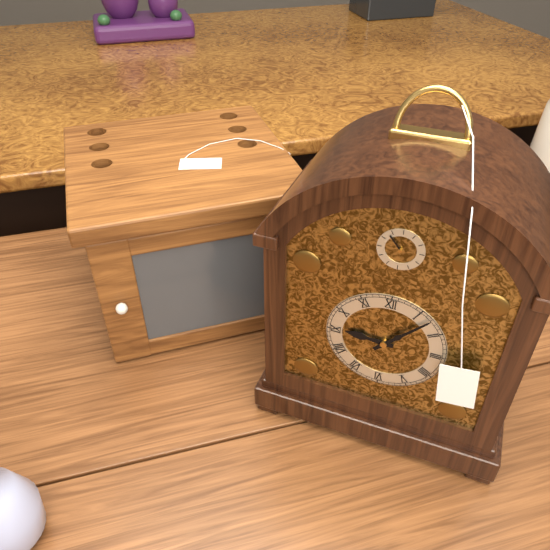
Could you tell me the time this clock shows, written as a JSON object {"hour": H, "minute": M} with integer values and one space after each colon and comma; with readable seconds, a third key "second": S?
{"hour": 9, "minute": 7}
